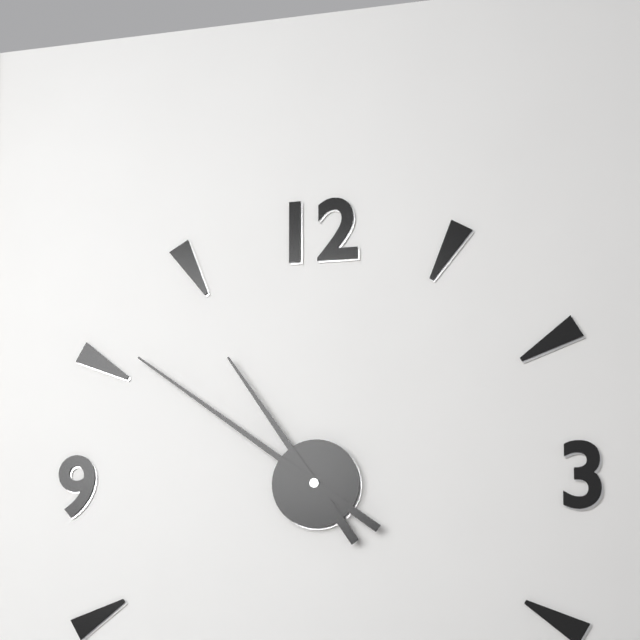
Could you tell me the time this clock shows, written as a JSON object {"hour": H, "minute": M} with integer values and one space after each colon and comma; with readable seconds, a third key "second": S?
{"hour": 10, "minute": 51}
